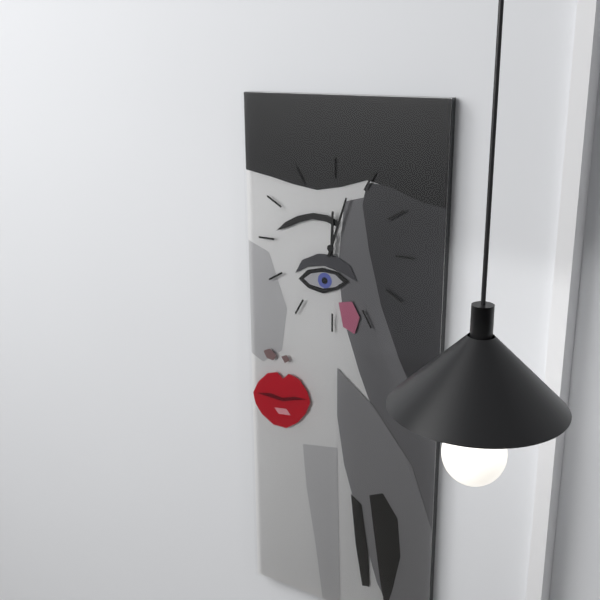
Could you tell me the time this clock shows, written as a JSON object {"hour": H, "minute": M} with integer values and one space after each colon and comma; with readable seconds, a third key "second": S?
{"hour": 12, "minute": 3}
